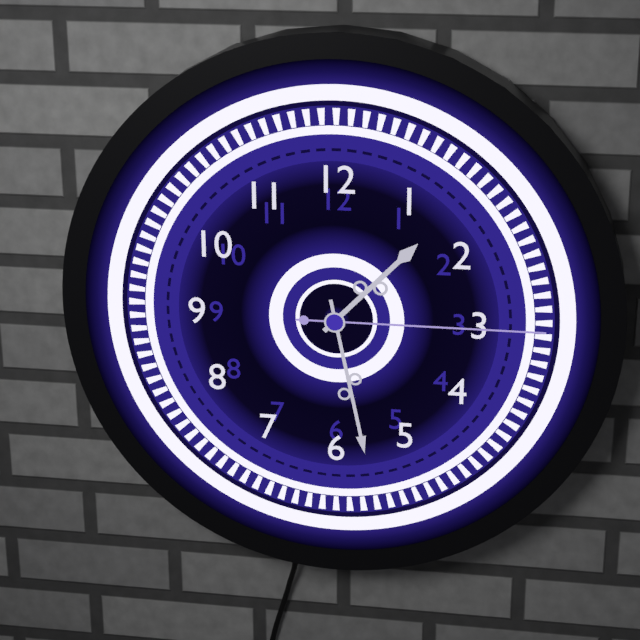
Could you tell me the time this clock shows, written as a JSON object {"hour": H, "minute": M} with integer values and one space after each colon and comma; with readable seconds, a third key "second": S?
{"hour": 1, "minute": 28, "second": 15}
